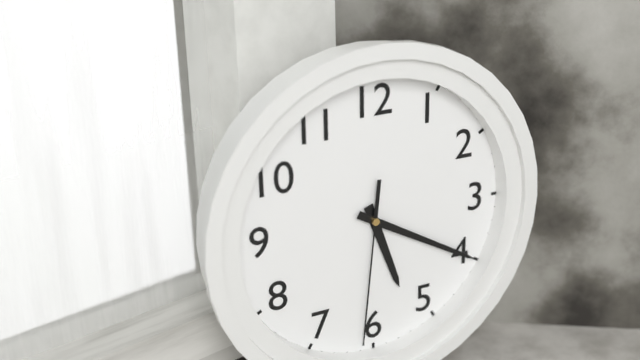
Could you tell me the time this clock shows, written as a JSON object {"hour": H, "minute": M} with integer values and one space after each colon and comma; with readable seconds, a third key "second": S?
{"hour": 5, "minute": 20, "second": 31}
